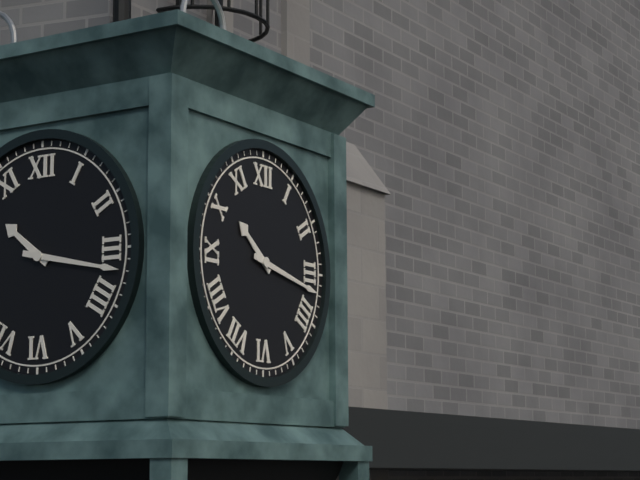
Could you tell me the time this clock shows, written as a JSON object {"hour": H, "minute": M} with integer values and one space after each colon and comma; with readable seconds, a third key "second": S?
{"hour": 10, "minute": 17}
